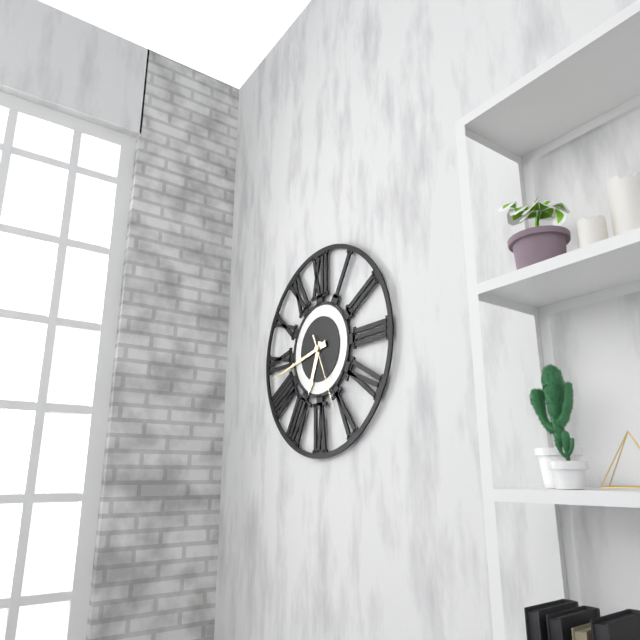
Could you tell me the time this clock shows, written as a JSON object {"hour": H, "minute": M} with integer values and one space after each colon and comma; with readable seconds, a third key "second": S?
{"hour": 6, "minute": 43, "second": 26}
